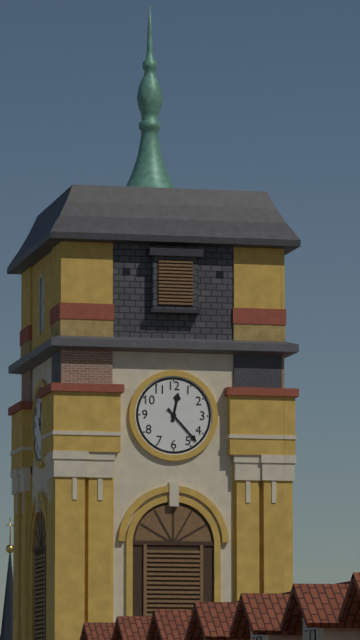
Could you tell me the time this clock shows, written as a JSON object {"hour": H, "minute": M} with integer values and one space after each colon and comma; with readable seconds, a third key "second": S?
{"hour": 12, "minute": 23}
